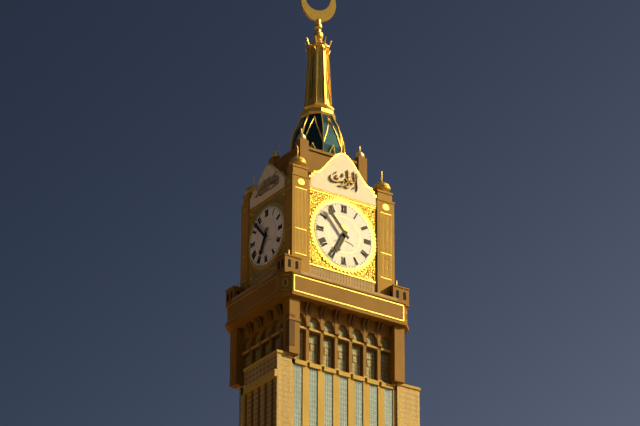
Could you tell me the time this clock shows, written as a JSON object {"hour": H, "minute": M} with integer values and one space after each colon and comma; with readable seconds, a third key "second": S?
{"hour": 6, "minute": 53}
